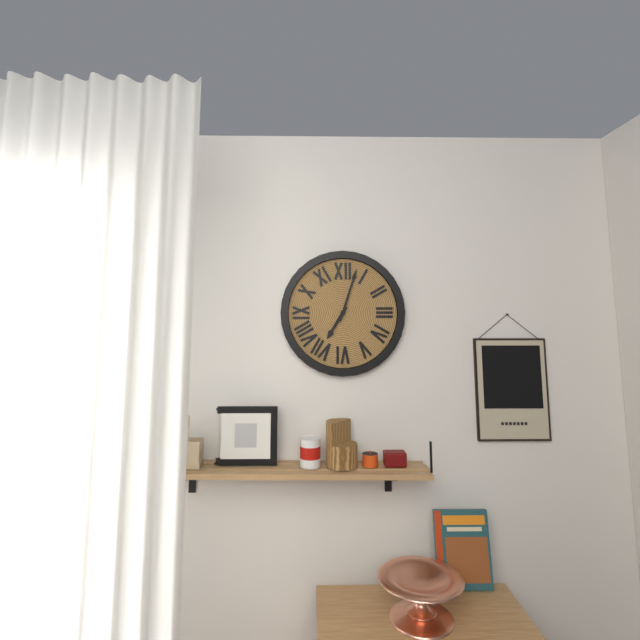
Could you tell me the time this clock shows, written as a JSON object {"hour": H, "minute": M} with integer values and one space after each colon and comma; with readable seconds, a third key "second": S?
{"hour": 7, "minute": 3}
